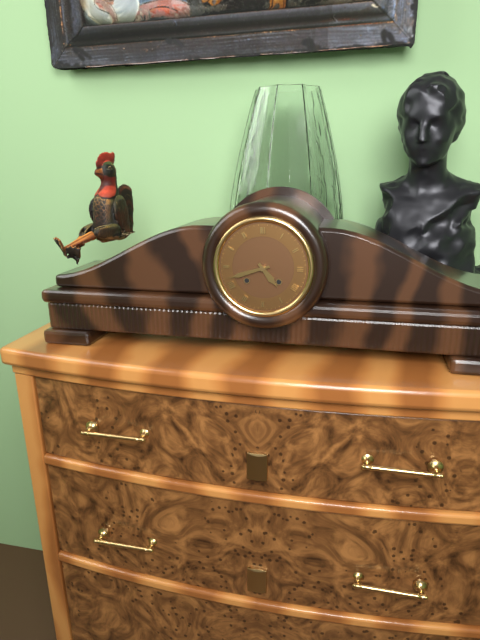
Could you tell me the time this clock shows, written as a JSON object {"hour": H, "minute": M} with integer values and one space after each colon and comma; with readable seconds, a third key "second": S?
{"hour": 4, "minute": 42}
